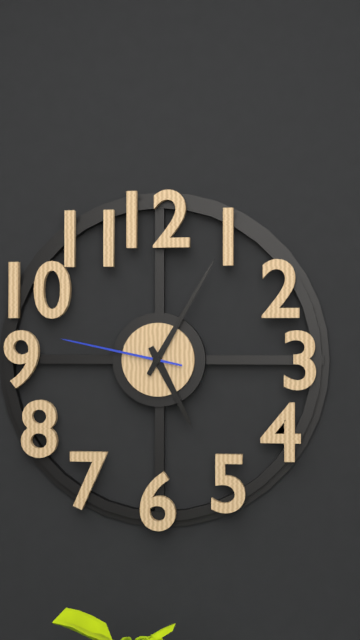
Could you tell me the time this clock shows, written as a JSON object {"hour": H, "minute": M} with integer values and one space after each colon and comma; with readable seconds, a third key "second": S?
{"hour": 5, "minute": 5, "second": 47}
